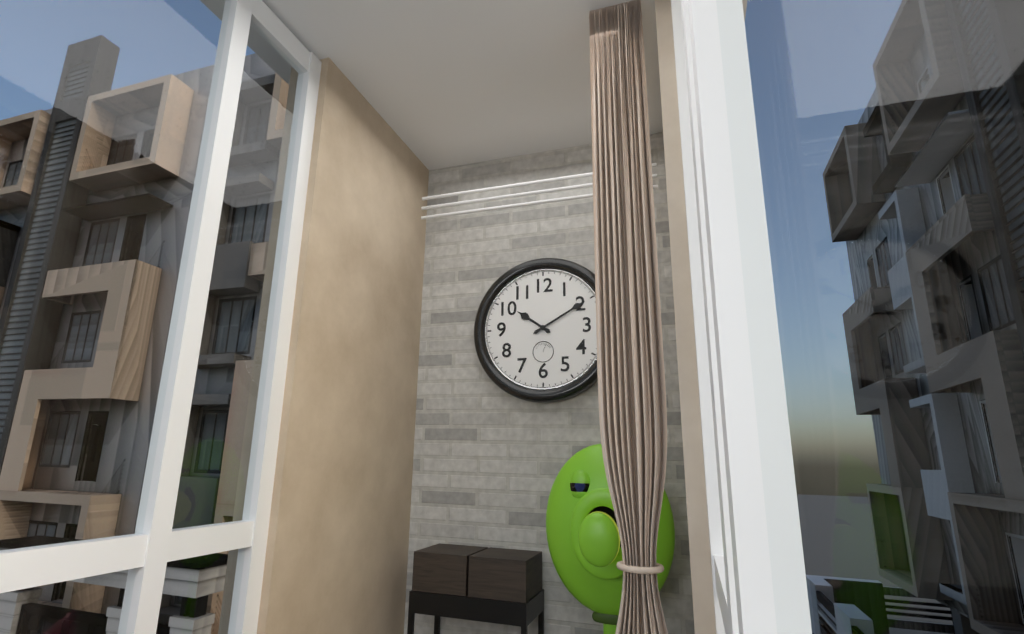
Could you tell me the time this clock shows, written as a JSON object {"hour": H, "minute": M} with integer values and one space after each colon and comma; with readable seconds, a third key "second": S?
{"hour": 10, "minute": 10}
